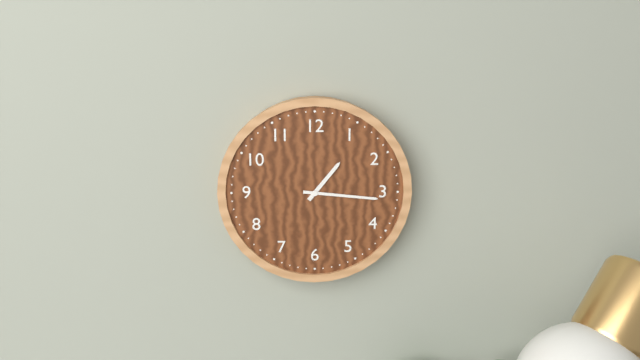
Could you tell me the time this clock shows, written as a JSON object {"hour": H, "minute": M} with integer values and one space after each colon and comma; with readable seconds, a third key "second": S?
{"hour": 1, "minute": 16}
